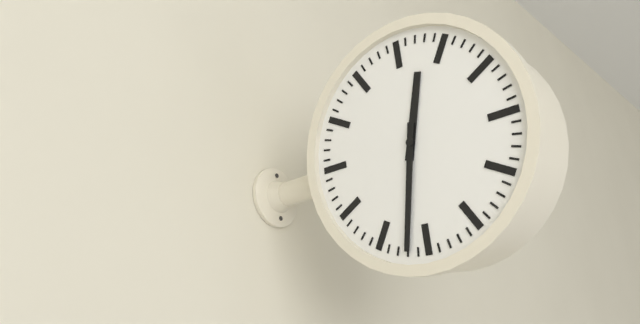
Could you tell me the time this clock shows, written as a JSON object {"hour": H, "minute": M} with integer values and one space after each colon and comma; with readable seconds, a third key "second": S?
{"hour": 12, "minute": 32}
